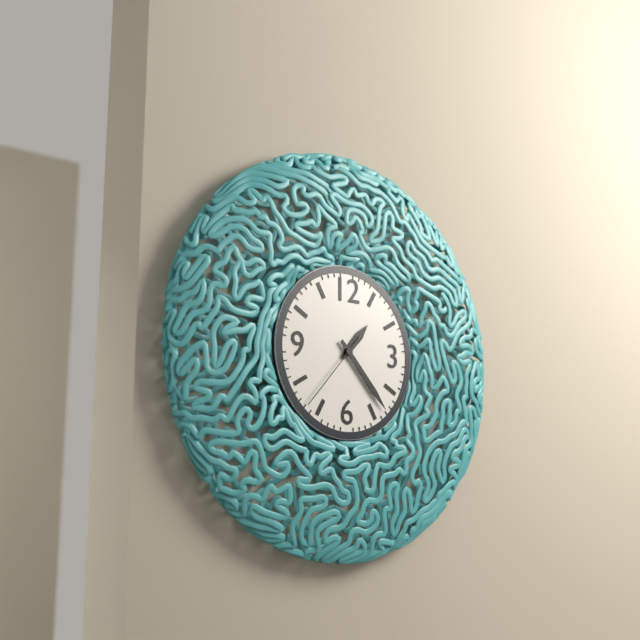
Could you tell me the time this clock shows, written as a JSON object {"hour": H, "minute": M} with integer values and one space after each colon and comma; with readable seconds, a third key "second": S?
{"hour": 1, "minute": 23, "second": 37}
